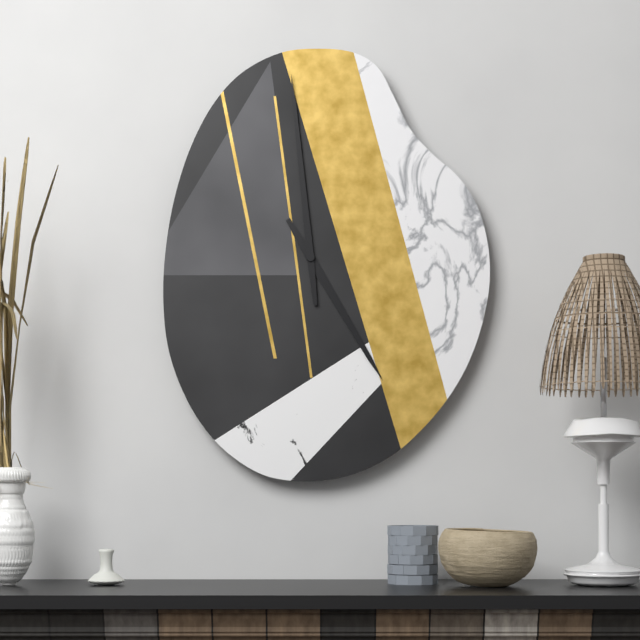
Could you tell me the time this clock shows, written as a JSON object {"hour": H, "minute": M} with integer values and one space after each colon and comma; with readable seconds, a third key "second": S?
{"hour": 4, "minute": 59}
